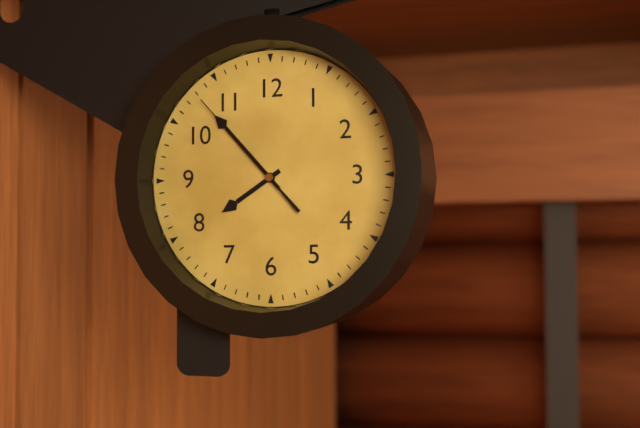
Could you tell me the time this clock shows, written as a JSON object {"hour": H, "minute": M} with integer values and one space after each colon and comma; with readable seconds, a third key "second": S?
{"hour": 7, "minute": 53, "second": 53}
